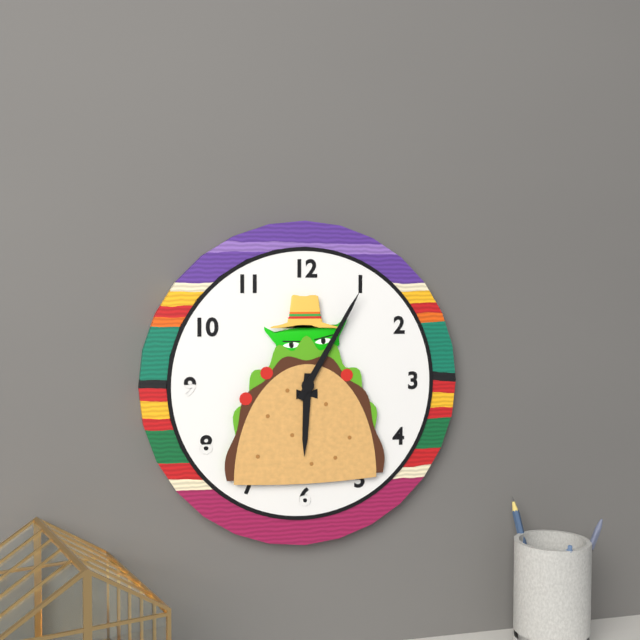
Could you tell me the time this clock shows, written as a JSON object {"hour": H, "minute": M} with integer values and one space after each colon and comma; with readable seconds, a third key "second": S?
{"hour": 6, "minute": 5}
